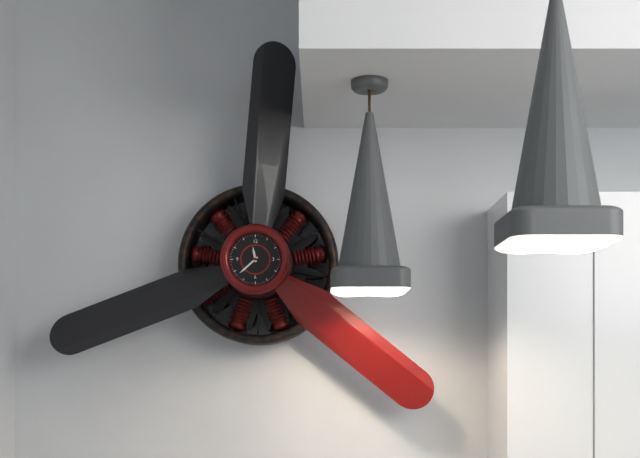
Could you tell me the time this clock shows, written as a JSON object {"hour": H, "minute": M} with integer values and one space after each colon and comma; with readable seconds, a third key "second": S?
{"hour": 11, "minute": 38}
